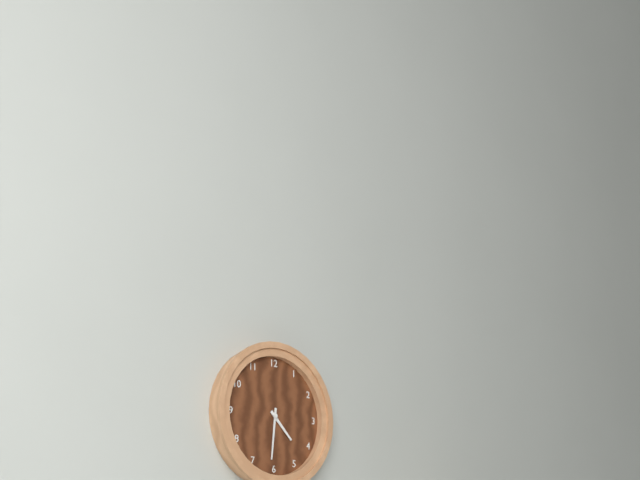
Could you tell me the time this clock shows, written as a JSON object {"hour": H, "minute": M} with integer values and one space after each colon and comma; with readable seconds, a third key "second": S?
{"hour": 4, "minute": 31}
